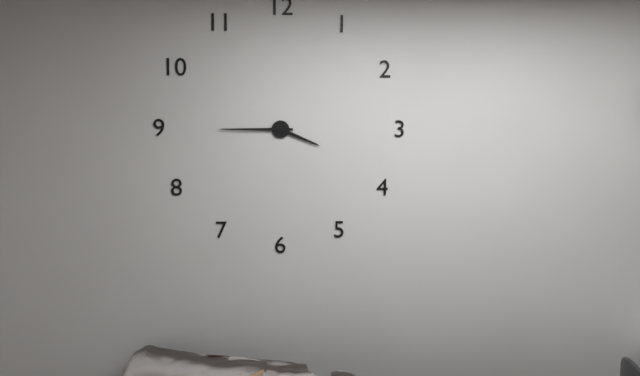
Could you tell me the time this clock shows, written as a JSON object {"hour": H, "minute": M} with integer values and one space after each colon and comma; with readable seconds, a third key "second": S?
{"hour": 3, "minute": 45}
